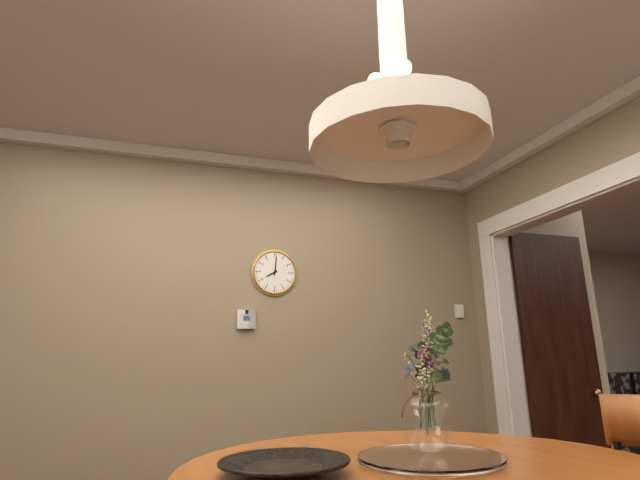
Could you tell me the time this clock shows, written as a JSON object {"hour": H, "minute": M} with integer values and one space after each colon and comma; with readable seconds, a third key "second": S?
{"hour": 8, "minute": 1}
